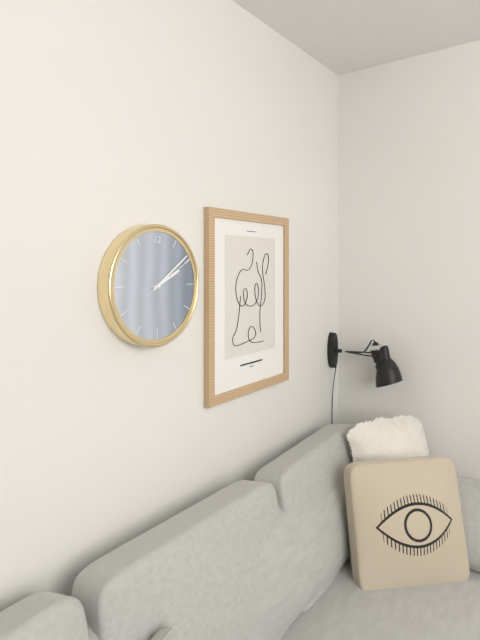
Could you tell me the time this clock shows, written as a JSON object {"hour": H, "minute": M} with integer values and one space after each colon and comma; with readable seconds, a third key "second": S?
{"hour": 2, "minute": 9, "second": 10}
